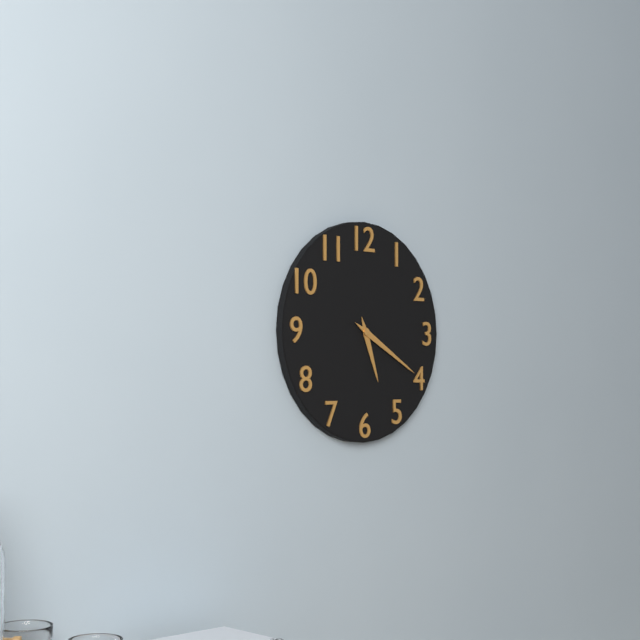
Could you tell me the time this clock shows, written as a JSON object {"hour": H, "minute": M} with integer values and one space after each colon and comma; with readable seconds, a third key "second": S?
{"hour": 5, "minute": 20}
